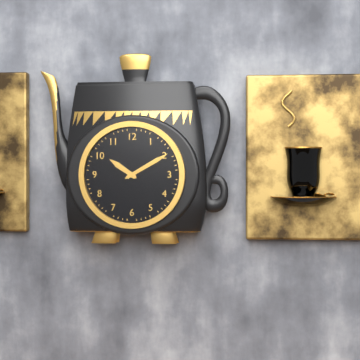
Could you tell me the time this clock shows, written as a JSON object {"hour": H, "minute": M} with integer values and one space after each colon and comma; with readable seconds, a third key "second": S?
{"hour": 10, "minute": 10}
